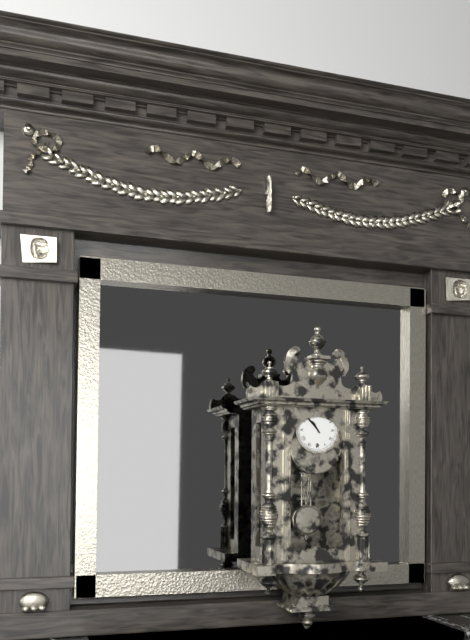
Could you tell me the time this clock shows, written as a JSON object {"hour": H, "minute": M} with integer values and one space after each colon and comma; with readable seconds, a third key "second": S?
{"hour": 10, "minute": 53}
